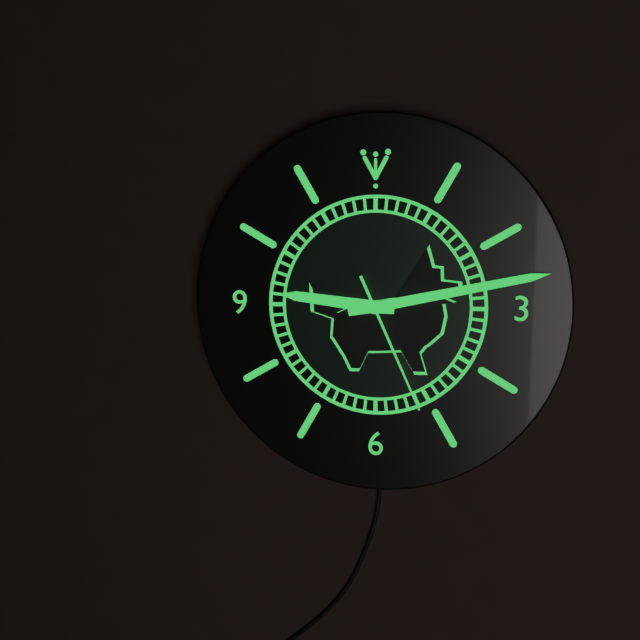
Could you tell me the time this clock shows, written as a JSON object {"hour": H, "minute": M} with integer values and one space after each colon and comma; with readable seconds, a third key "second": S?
{"hour": 9, "minute": 13, "second": 26}
